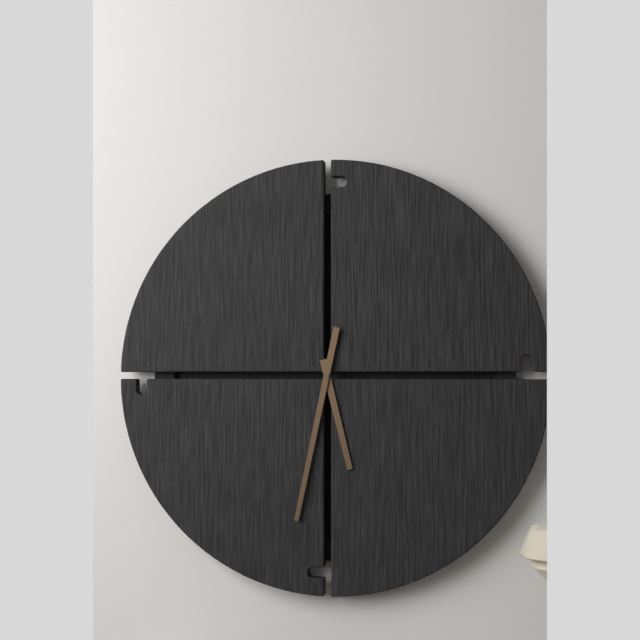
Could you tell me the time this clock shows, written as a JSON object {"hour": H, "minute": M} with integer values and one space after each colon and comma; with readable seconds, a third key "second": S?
{"hour": 5, "minute": 32}
